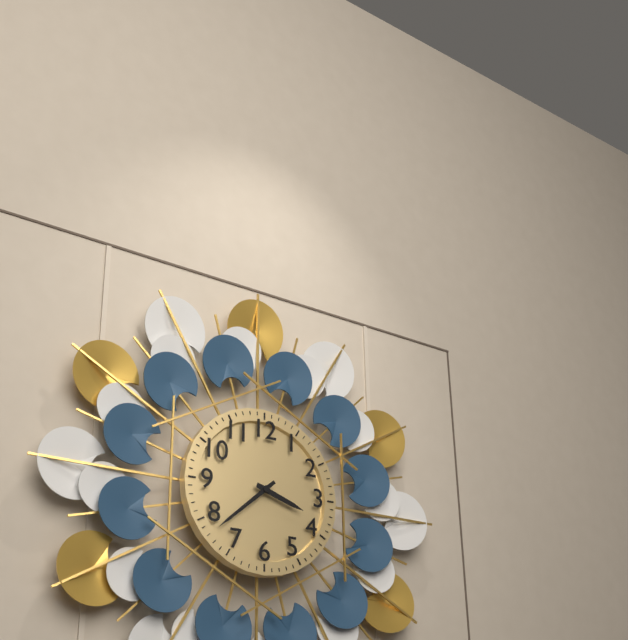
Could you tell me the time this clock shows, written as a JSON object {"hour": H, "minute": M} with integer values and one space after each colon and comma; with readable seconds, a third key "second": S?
{"hour": 3, "minute": 38}
